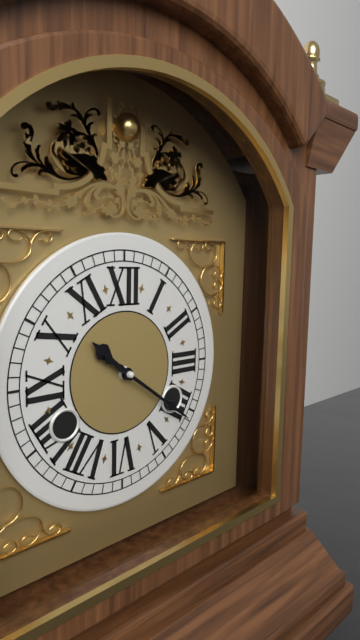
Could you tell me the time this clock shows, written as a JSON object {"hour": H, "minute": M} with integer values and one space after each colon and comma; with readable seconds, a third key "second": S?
{"hour": 10, "minute": 21}
